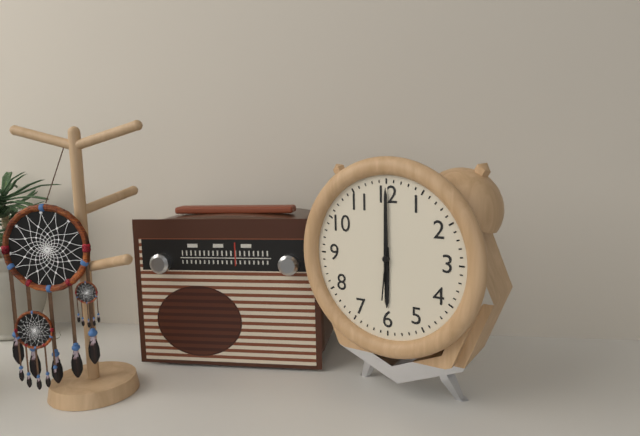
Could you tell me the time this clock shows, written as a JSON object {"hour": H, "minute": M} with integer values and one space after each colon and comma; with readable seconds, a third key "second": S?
{"hour": 6, "minute": 0, "second": 31}
